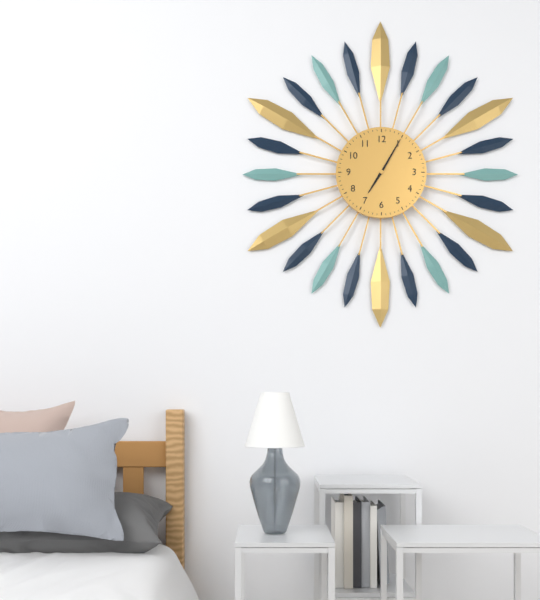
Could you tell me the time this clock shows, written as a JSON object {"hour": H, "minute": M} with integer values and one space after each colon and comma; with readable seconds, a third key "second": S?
{"hour": 7, "minute": 5}
